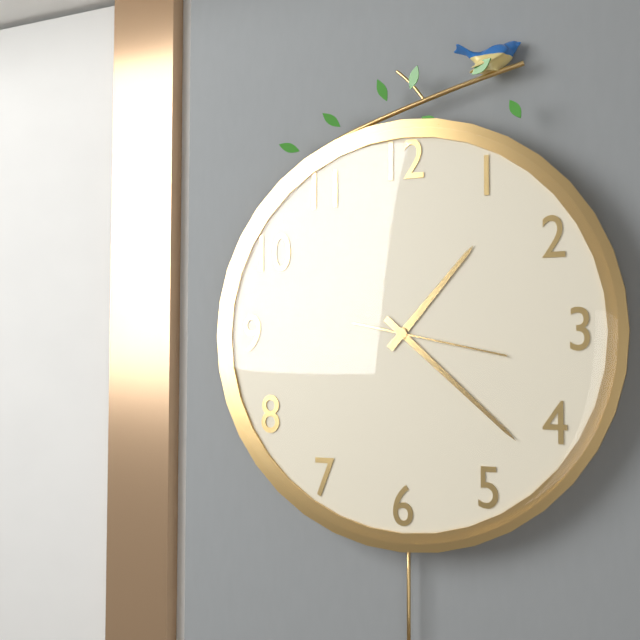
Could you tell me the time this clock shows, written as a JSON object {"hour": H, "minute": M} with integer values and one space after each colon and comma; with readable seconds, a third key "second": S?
{"hour": 1, "minute": 22, "second": 17}
